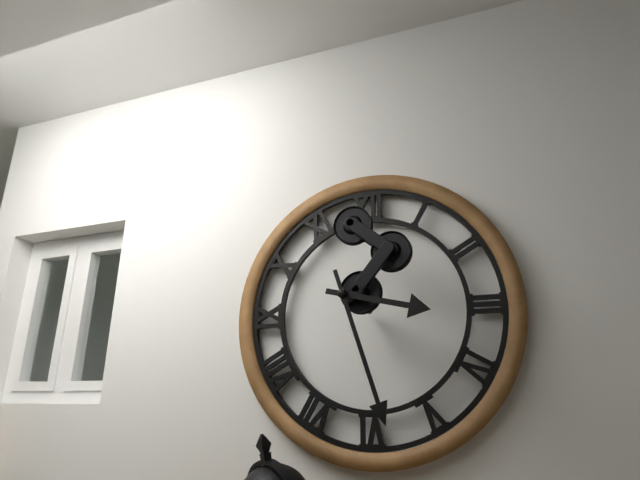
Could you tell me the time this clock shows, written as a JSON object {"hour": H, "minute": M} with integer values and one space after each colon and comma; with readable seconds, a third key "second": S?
{"hour": 3, "minute": 27}
